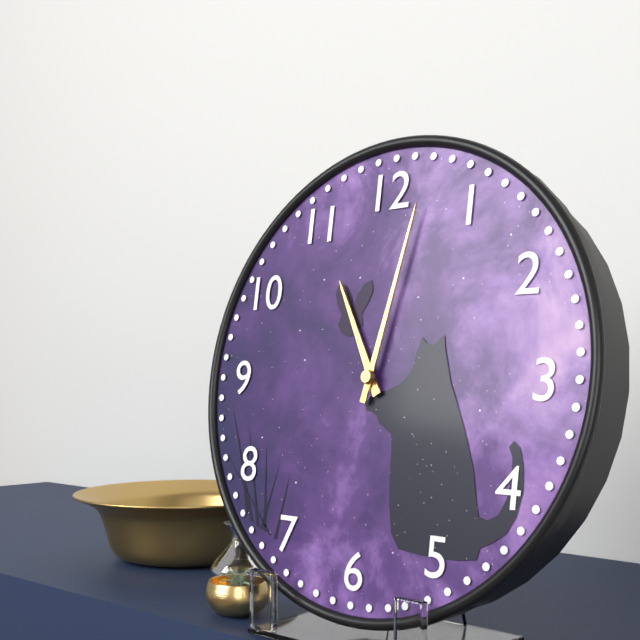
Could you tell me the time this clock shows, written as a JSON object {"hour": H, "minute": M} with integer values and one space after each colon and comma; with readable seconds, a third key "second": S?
{"hour": 11, "minute": 2}
